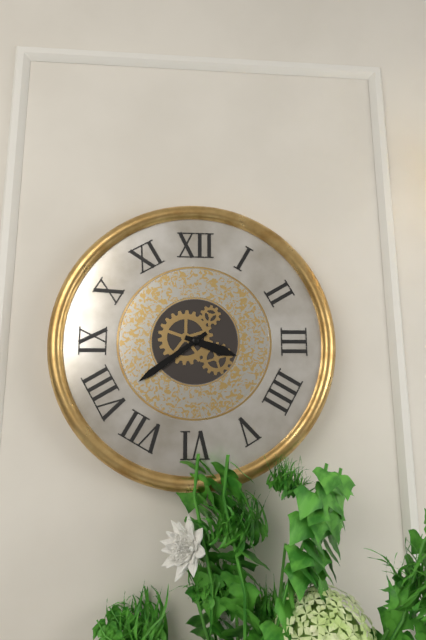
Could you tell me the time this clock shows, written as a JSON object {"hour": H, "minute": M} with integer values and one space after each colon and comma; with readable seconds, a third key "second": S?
{"hour": 3, "minute": 39}
